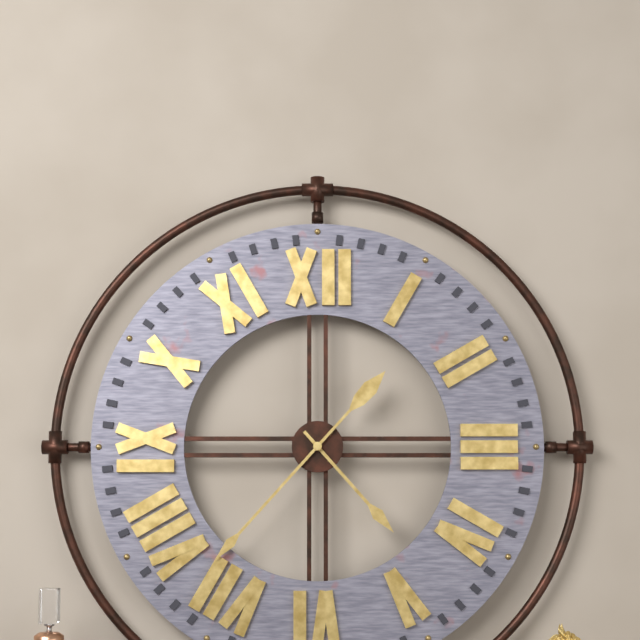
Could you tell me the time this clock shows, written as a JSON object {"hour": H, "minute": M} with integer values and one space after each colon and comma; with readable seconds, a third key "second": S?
{"hour": 4, "minute": 37}
